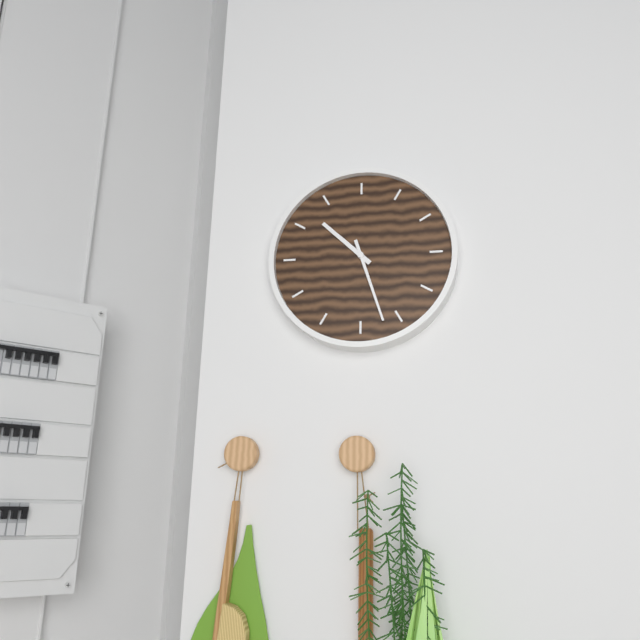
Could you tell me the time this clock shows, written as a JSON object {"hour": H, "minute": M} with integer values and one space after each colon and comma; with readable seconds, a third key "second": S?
{"hour": 10, "minute": 27}
